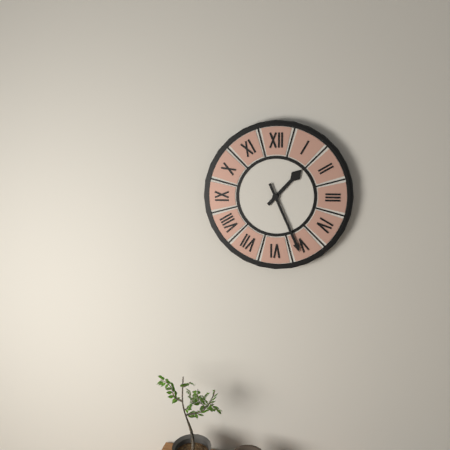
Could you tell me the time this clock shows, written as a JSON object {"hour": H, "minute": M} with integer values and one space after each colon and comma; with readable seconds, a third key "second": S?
{"hour": 1, "minute": 26}
